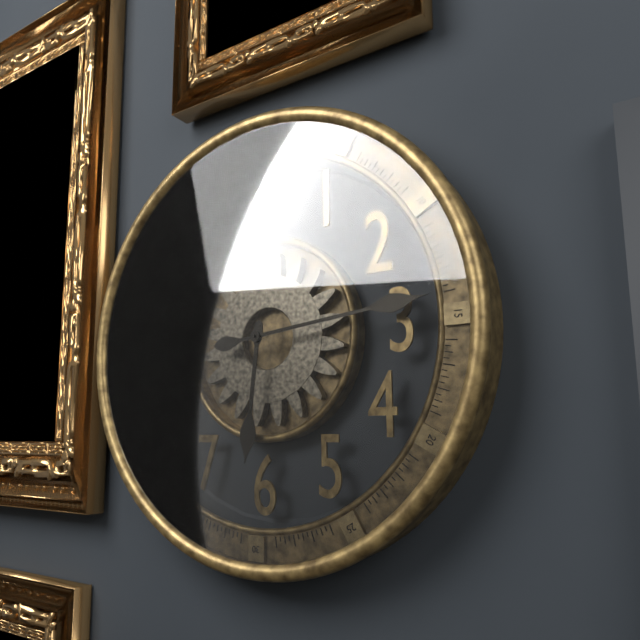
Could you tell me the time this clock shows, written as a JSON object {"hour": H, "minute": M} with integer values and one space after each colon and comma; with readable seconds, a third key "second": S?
{"hour": 6, "minute": 14}
